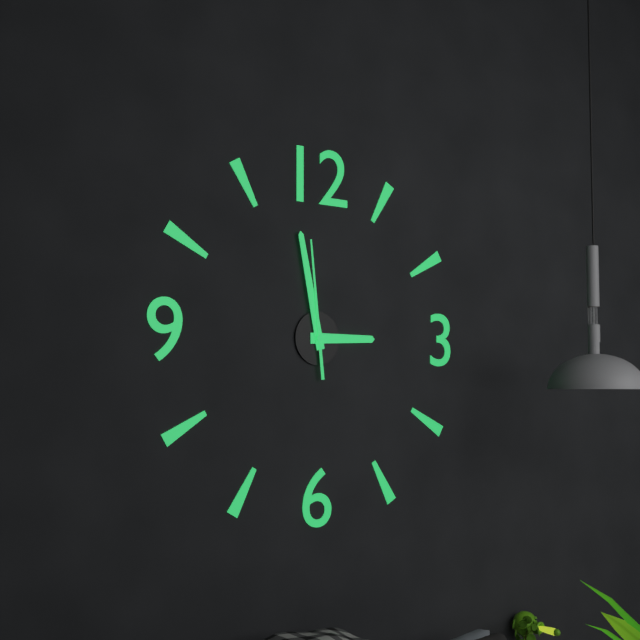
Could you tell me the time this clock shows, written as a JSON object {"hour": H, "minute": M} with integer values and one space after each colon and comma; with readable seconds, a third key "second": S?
{"hour": 2, "minute": 58, "second": 59}
